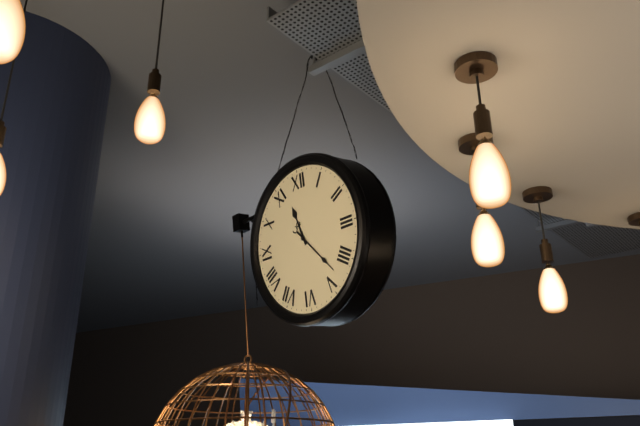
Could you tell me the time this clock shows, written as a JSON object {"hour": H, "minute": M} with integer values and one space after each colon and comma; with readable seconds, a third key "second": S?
{"hour": 11, "minute": 23}
